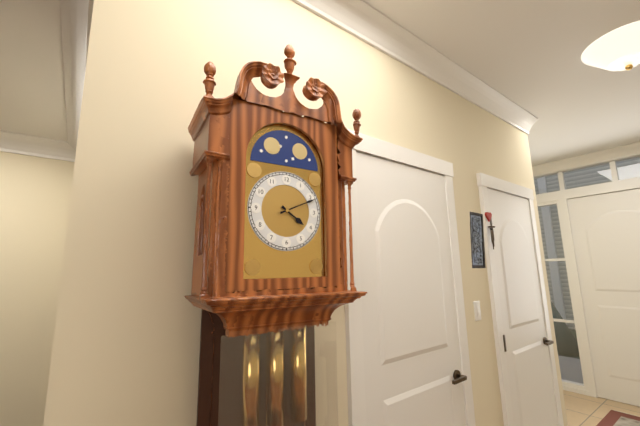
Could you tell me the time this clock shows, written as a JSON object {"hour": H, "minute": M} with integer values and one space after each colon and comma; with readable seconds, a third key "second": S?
{"hour": 4, "minute": 11}
